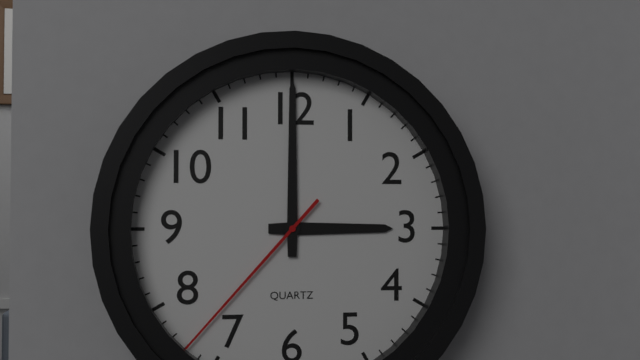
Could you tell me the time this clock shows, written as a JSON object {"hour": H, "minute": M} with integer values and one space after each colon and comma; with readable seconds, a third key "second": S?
{"hour": 3, "minute": 0, "second": 37}
